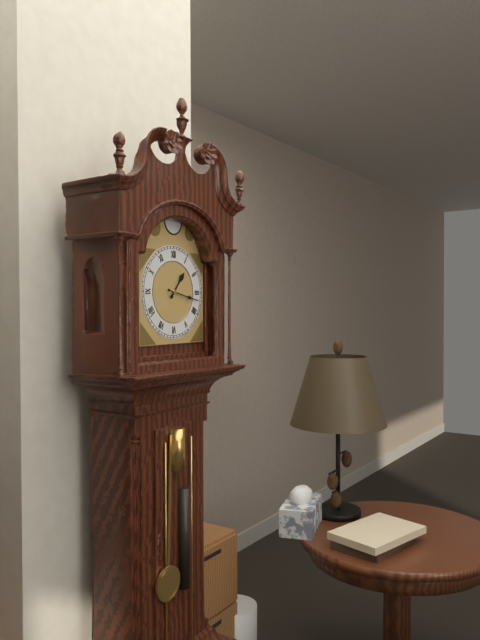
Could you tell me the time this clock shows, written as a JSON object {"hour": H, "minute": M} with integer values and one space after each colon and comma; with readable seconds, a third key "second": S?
{"hour": 1, "minute": 17}
